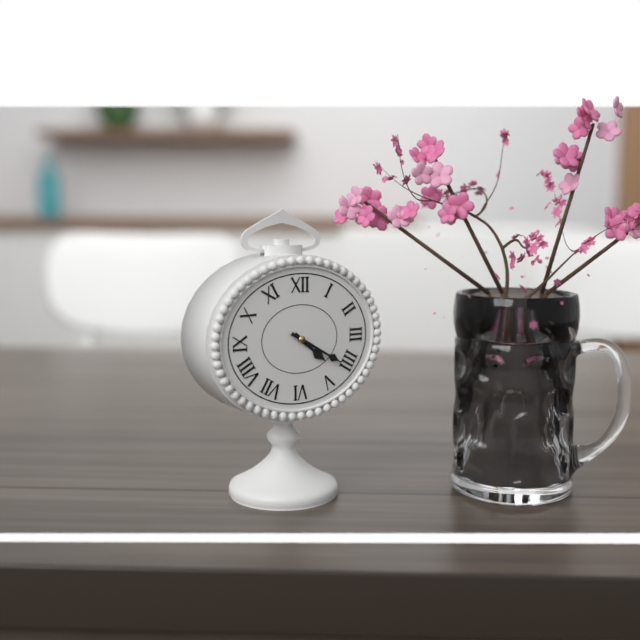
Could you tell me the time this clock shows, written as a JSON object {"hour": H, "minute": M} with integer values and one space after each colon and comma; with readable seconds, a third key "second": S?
{"hour": 4, "minute": 20}
